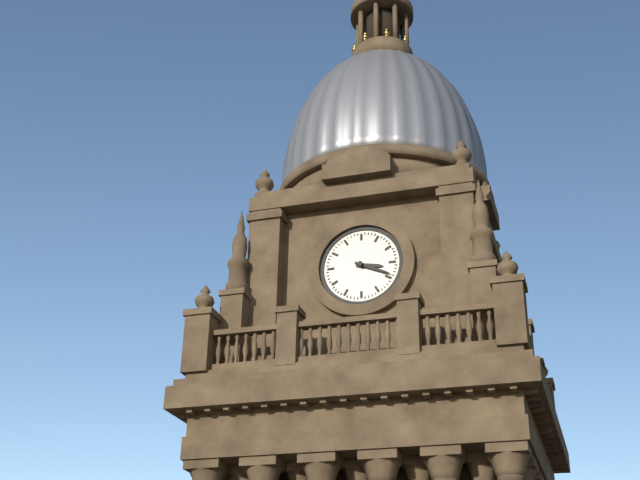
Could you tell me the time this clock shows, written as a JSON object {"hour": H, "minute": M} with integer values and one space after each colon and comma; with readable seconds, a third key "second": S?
{"hour": 3, "minute": 19}
